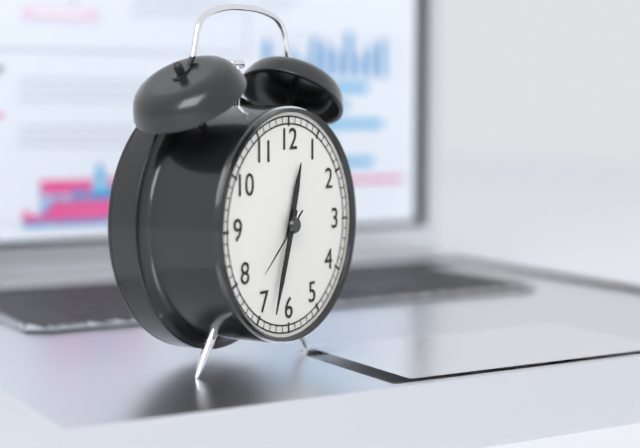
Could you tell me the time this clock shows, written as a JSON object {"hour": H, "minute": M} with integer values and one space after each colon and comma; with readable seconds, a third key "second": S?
{"hour": 12, "minute": 33, "second": 38}
